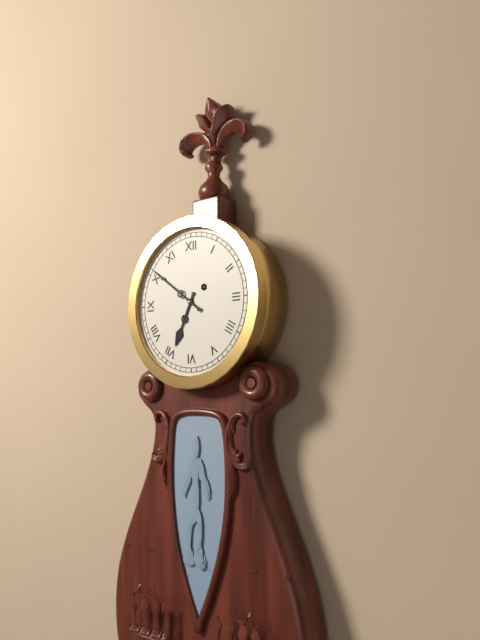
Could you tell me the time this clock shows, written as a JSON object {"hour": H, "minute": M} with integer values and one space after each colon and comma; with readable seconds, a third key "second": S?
{"hour": 6, "minute": 51}
